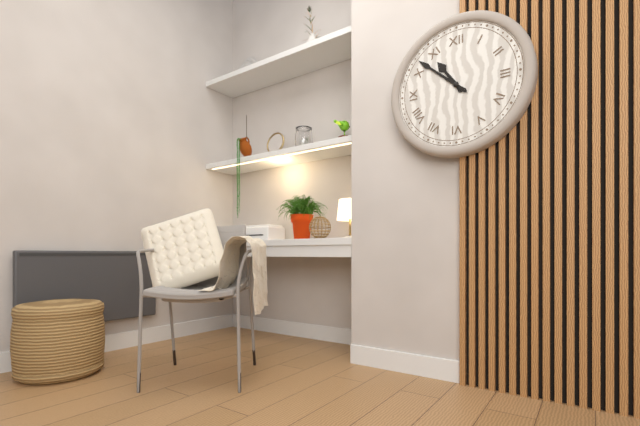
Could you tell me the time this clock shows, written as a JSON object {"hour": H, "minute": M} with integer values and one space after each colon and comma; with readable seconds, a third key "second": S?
{"hour": 10, "minute": 52}
